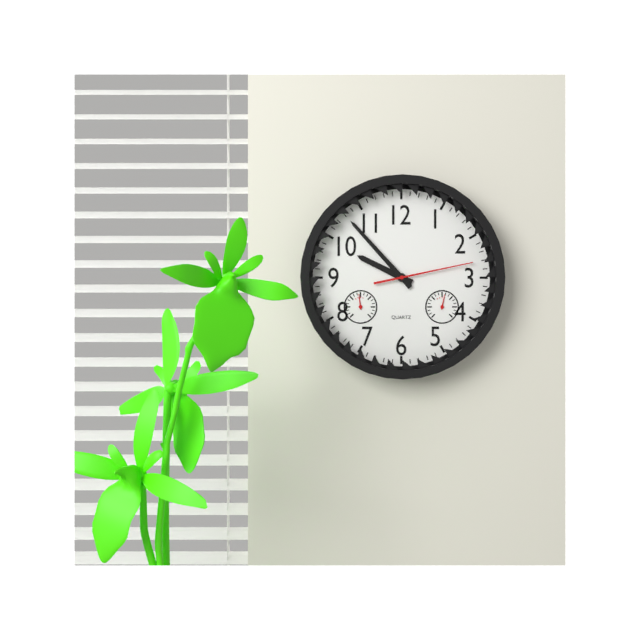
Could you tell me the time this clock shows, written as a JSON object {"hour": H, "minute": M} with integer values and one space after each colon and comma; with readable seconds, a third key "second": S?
{"hour": 9, "minute": 53, "second": 13}
